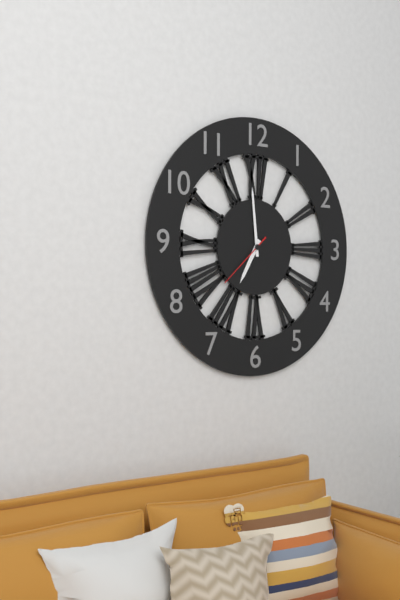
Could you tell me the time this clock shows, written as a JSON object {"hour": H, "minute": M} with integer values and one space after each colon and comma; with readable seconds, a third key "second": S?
{"hour": 6, "minute": 59, "second": 38}
